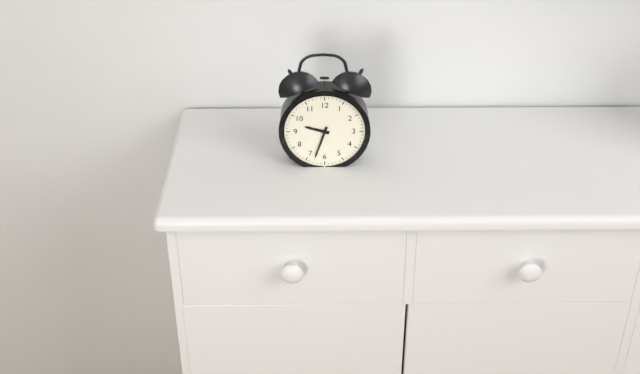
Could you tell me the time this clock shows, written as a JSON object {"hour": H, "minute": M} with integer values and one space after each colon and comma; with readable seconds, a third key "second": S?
{"hour": 9, "minute": 33}
